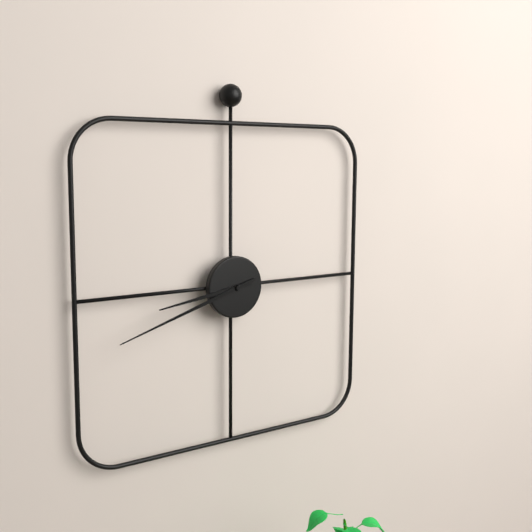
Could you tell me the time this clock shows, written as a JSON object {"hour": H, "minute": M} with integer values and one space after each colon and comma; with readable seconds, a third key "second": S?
{"hour": 8, "minute": 42}
